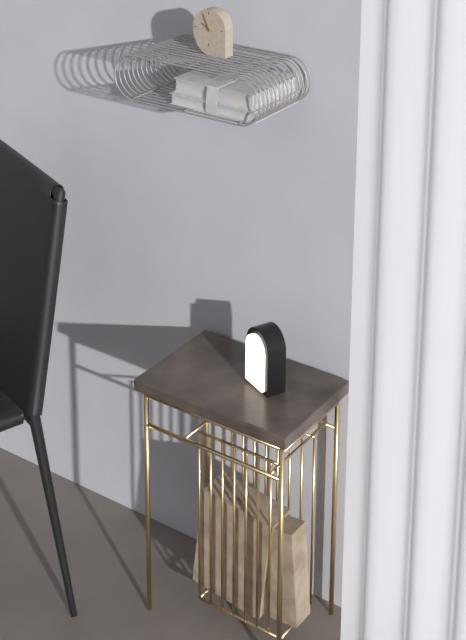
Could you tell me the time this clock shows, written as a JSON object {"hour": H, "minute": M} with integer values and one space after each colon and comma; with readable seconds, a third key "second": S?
{"hour": 9, "minute": 56}
